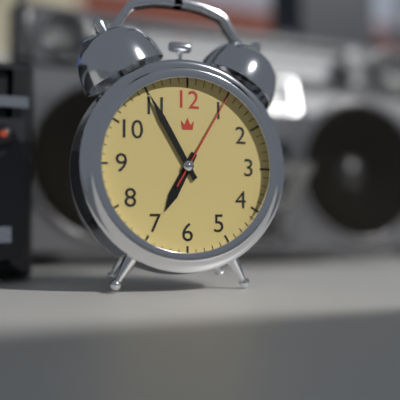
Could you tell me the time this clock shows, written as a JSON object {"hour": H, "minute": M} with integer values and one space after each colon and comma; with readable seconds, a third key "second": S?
{"hour": 6, "minute": 55, "second": 5}
